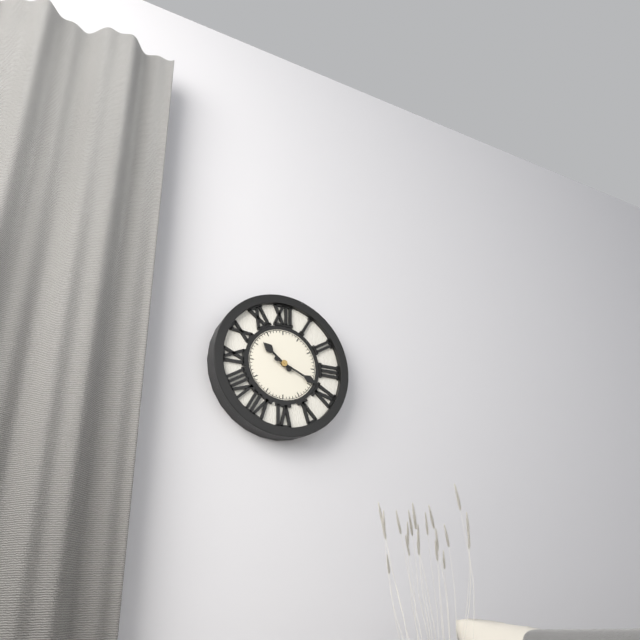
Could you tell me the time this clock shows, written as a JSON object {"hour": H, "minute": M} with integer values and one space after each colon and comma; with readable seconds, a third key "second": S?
{"hour": 10, "minute": 19}
